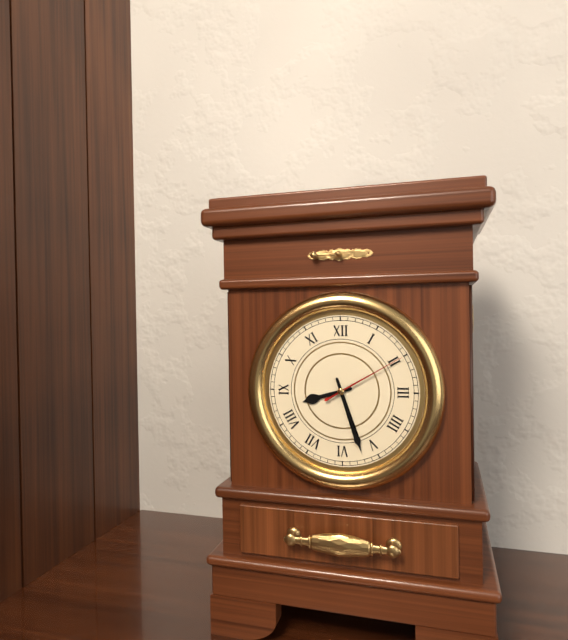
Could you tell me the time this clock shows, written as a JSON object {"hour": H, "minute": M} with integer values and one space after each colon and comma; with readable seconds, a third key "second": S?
{"hour": 8, "minute": 27, "second": 10}
